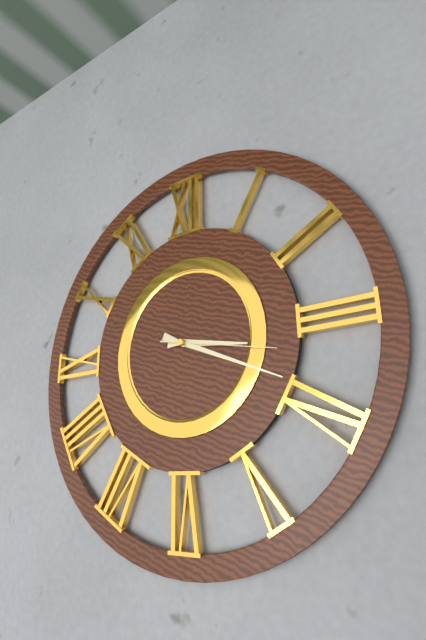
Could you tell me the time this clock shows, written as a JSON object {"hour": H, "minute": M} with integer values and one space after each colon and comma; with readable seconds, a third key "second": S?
{"hour": 3, "minute": 19, "second": 17}
